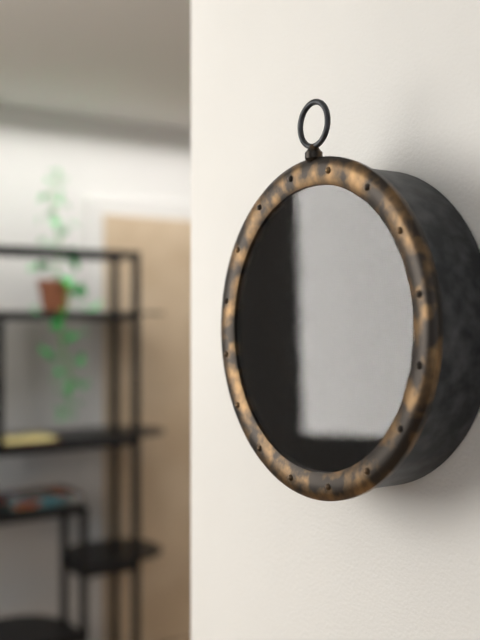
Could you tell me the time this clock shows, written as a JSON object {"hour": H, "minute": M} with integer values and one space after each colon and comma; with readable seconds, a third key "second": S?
{"hour": 5, "minute": 47}
